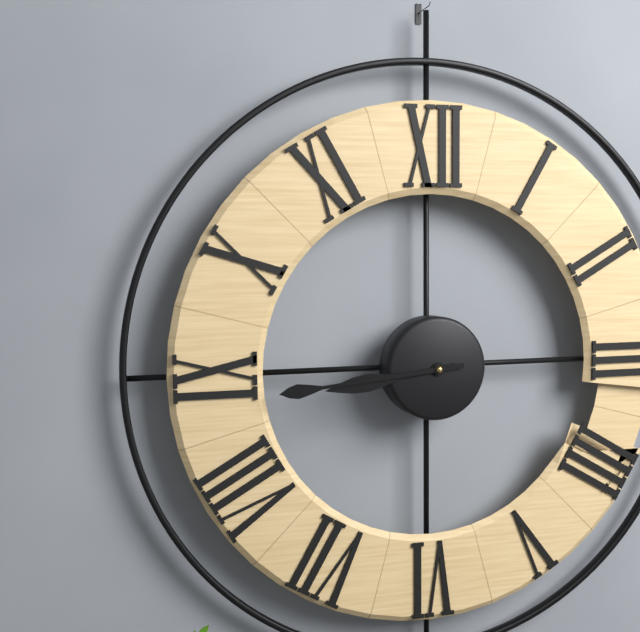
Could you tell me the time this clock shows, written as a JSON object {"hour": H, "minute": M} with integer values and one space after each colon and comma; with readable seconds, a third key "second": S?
{"hour": 8, "minute": 44}
